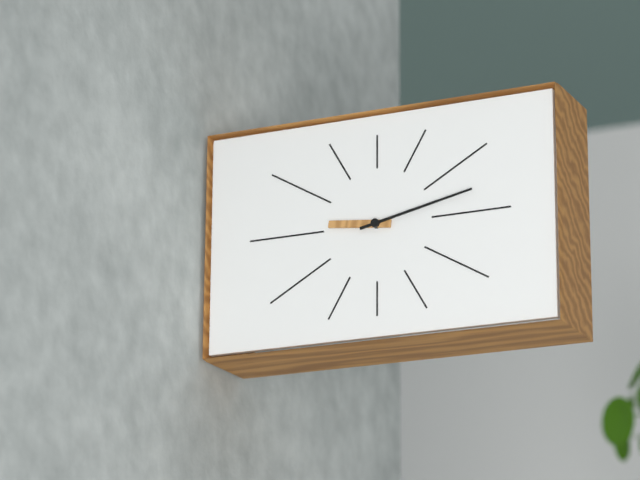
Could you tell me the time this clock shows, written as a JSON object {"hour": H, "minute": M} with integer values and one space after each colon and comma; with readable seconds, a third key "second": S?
{"hour": 9, "minute": 13}
